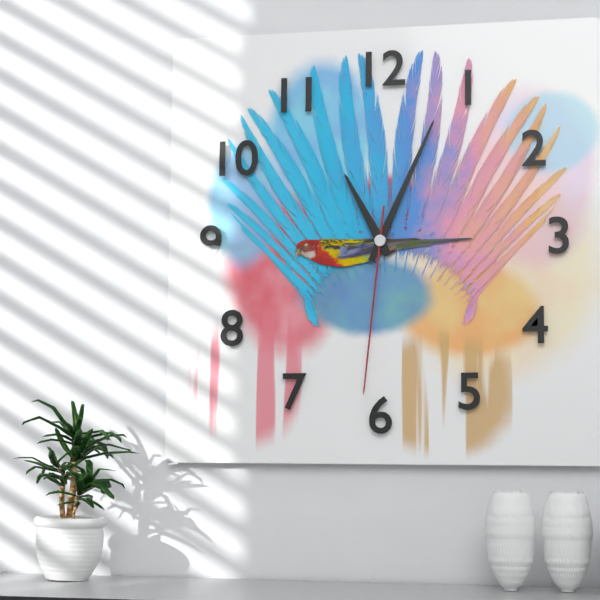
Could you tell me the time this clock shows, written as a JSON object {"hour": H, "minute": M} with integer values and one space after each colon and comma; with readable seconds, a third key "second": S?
{"hour": 11, "minute": 4, "second": 31}
